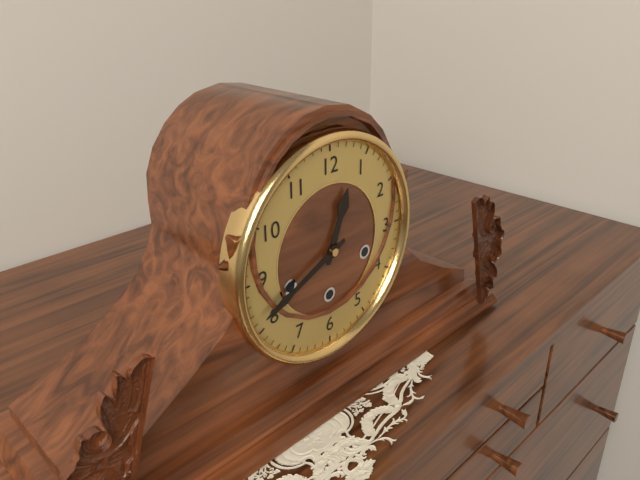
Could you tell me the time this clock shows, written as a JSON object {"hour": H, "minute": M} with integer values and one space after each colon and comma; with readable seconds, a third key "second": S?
{"hour": 12, "minute": 41}
